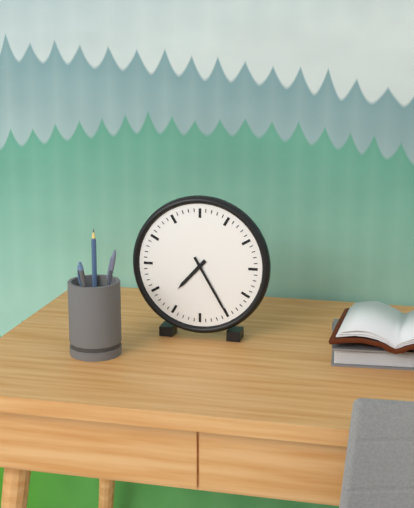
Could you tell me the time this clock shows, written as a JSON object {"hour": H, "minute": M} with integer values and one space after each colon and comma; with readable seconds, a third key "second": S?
{"hour": 7, "minute": 25}
